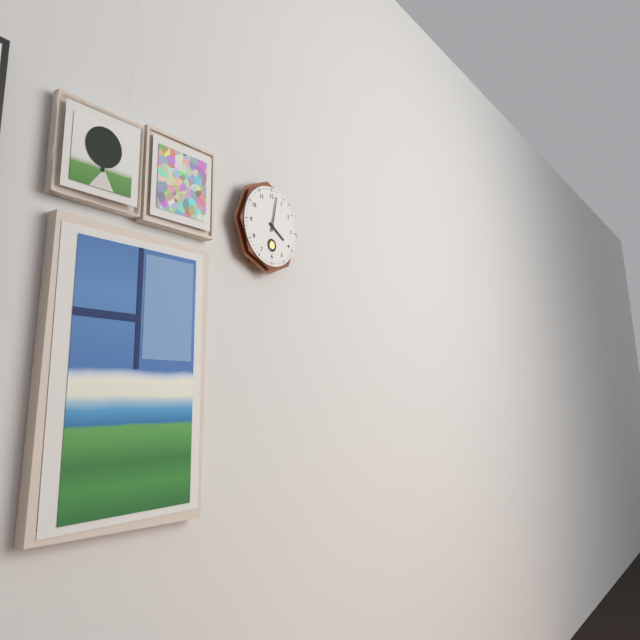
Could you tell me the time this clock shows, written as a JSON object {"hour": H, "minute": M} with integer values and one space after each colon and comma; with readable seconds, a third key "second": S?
{"hour": 4, "minute": 2}
